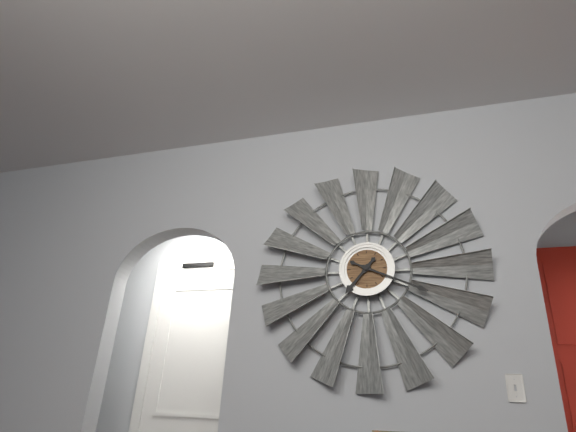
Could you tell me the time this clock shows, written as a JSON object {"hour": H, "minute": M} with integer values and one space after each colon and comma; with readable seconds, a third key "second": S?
{"hour": 7, "minute": 19}
